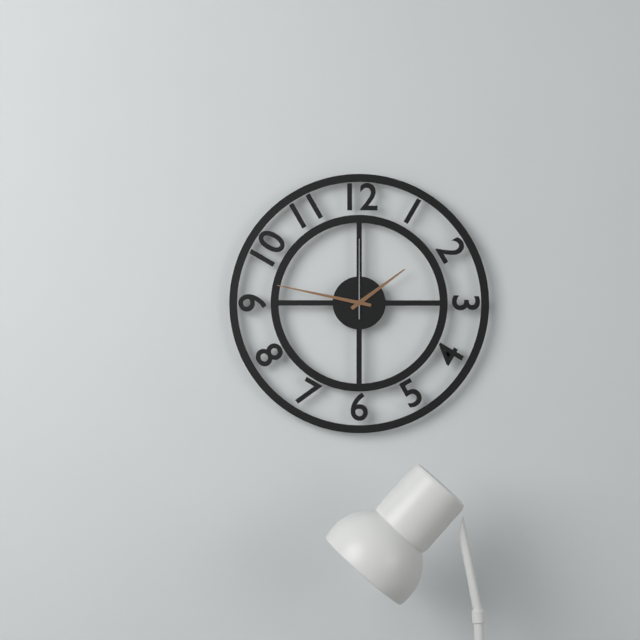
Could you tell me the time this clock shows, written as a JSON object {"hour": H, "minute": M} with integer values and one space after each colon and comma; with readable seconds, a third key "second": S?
{"hour": 1, "minute": 47, "second": 0}
